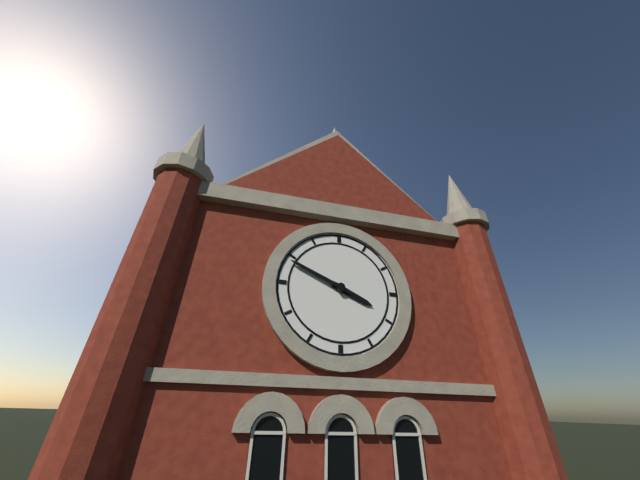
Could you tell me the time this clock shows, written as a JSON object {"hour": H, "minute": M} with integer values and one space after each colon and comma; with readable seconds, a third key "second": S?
{"hour": 3, "minute": 49}
